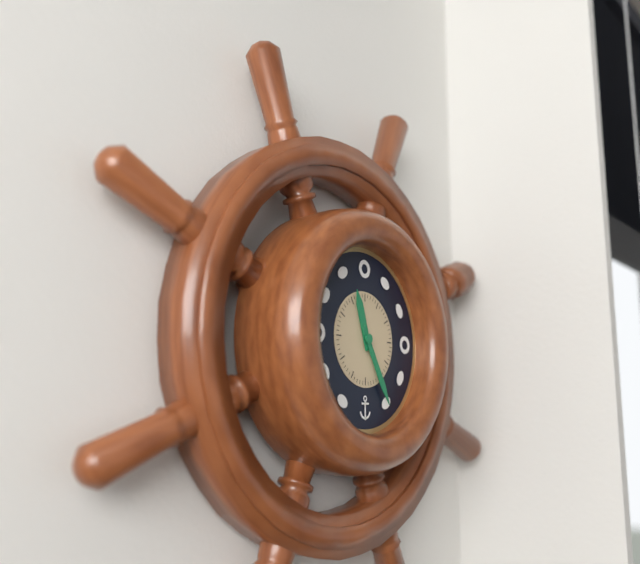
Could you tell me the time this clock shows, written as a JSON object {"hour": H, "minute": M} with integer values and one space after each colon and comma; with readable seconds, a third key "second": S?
{"hour": 11, "minute": 25}
